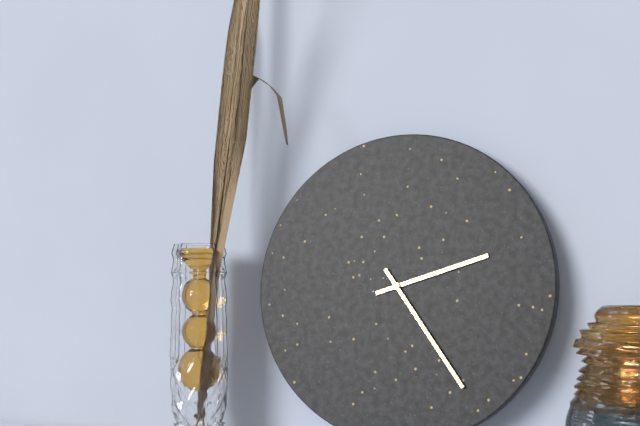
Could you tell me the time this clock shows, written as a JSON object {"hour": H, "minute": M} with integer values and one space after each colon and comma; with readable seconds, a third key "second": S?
{"hour": 2, "minute": 24}
